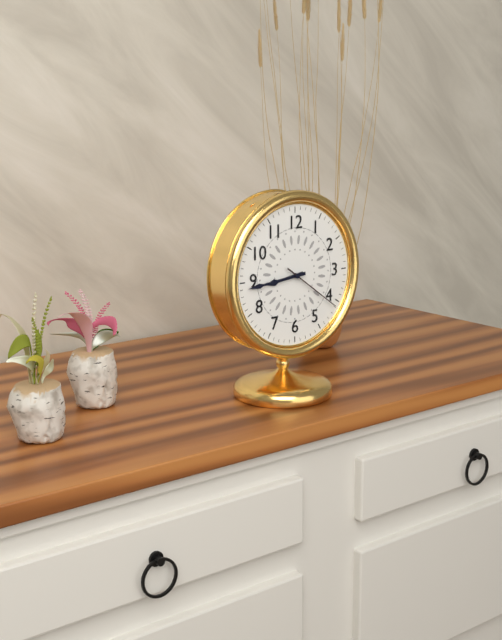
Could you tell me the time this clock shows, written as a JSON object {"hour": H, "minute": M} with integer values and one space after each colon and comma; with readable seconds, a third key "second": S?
{"hour": 8, "minute": 44, "second": 21}
